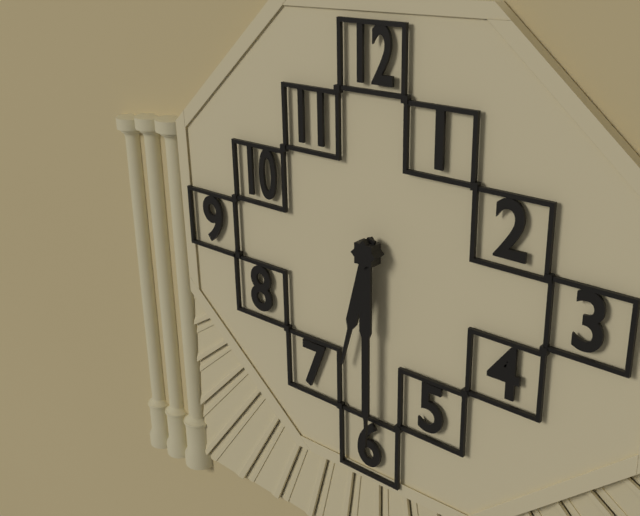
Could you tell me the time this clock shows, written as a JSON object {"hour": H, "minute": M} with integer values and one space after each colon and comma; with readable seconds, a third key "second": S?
{"hour": 6, "minute": 30}
